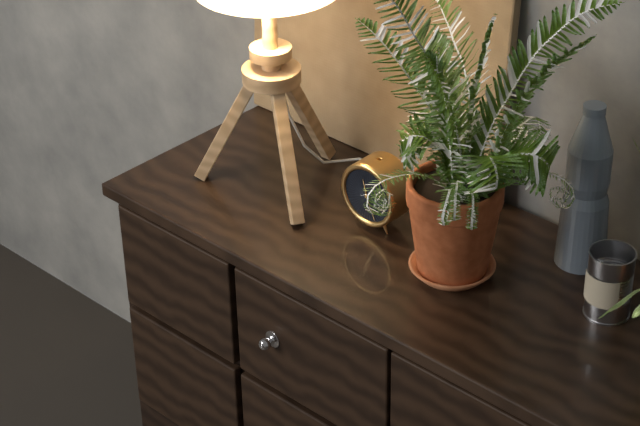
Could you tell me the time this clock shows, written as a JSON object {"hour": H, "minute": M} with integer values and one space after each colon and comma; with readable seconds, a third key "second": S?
{"hour": 11, "minute": 26}
